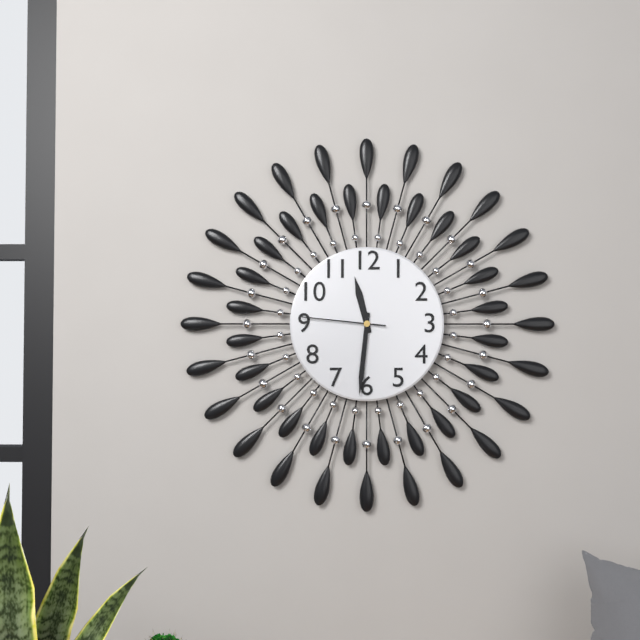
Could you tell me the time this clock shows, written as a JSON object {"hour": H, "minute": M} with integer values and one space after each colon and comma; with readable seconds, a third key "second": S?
{"hour": 11, "minute": 31, "second": 46}
